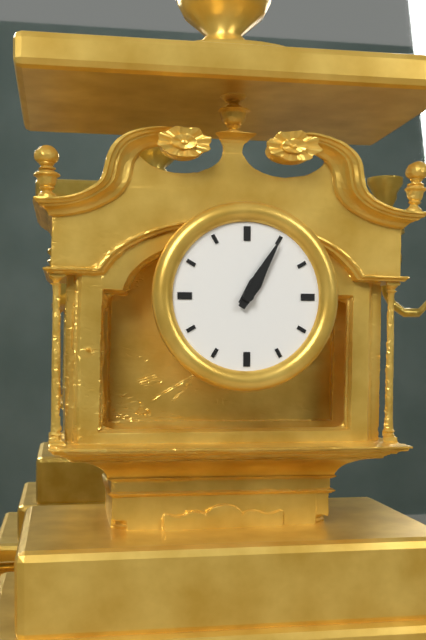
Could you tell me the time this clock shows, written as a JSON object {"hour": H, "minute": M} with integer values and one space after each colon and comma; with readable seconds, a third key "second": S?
{"hour": 1, "minute": 5}
